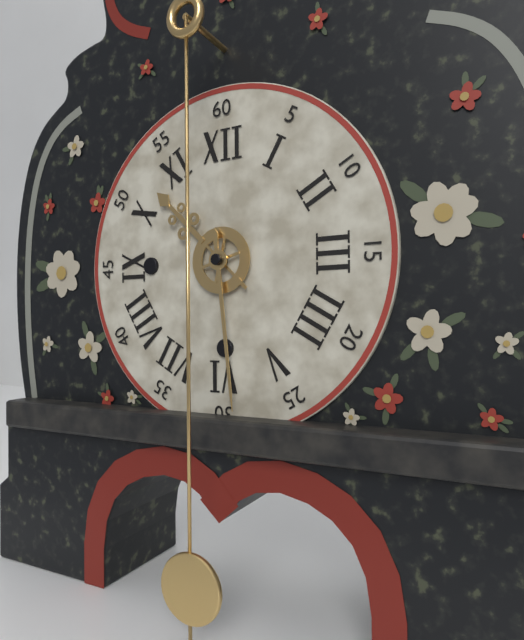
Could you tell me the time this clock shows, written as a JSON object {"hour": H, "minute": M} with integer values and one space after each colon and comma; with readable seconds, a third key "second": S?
{"hour": 10, "minute": 29}
